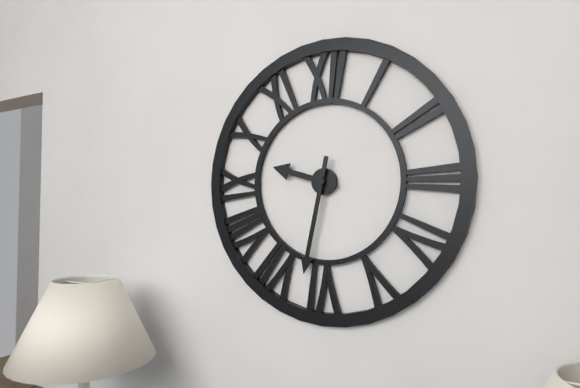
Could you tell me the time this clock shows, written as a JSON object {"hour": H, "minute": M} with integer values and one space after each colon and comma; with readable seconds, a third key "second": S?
{"hour": 9, "minute": 32}
